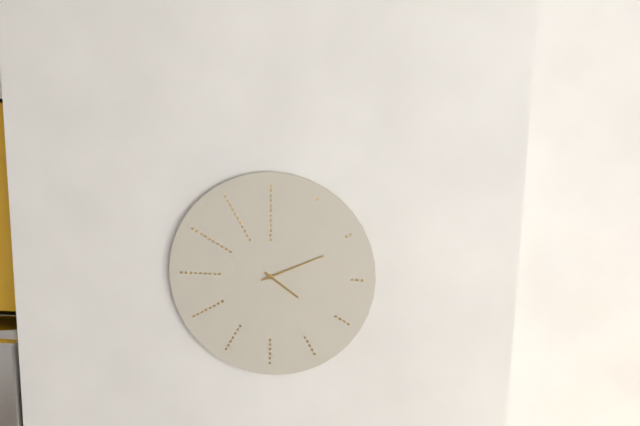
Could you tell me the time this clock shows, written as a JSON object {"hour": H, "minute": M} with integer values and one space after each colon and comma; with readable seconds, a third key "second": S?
{"hour": 4, "minute": 11}
